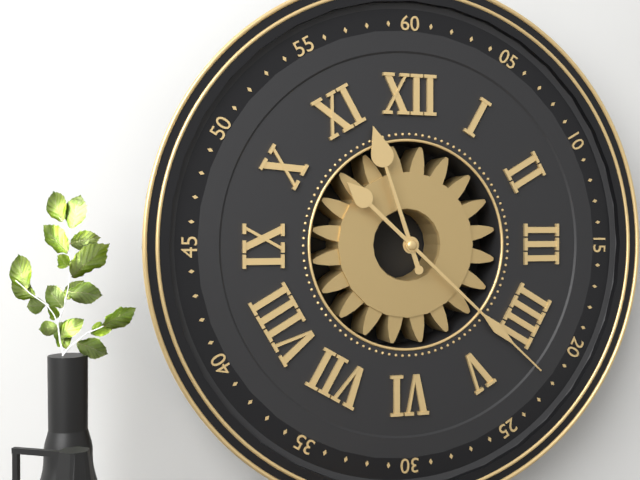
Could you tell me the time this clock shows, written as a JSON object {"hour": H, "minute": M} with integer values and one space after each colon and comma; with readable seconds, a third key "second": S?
{"hour": 11, "minute": 22}
